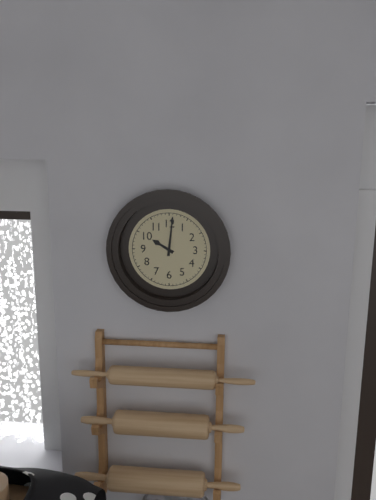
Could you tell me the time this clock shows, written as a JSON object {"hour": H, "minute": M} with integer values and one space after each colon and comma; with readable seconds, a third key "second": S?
{"hour": 10, "minute": 1}
